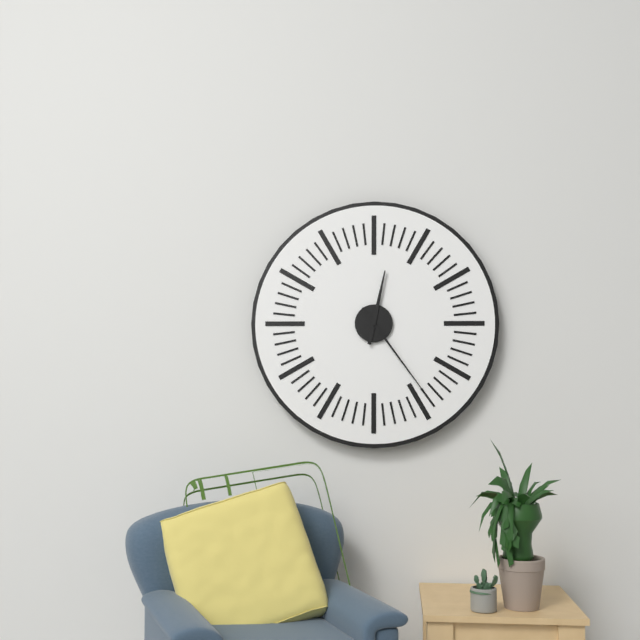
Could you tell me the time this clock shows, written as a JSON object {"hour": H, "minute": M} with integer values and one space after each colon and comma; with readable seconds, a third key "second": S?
{"hour": 12, "minute": 24}
